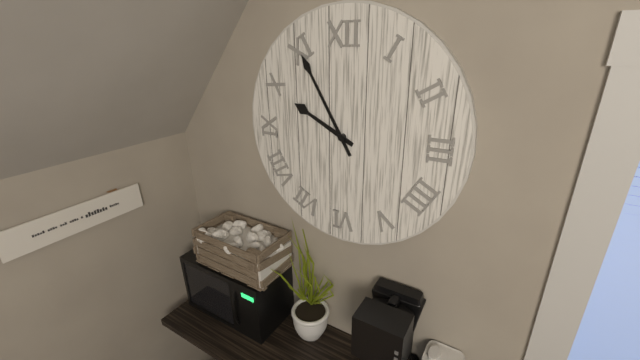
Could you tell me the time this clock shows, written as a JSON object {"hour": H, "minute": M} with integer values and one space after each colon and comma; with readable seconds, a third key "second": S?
{"hour": 9, "minute": 55}
